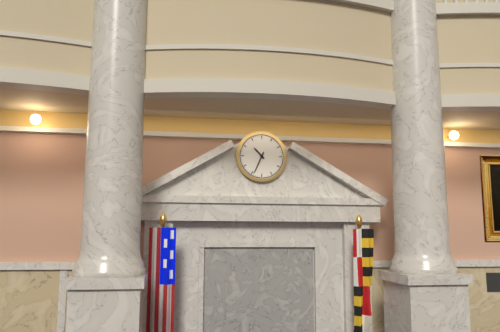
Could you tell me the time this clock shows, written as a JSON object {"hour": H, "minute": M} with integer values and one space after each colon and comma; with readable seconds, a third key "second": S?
{"hour": 10, "minute": 34}
